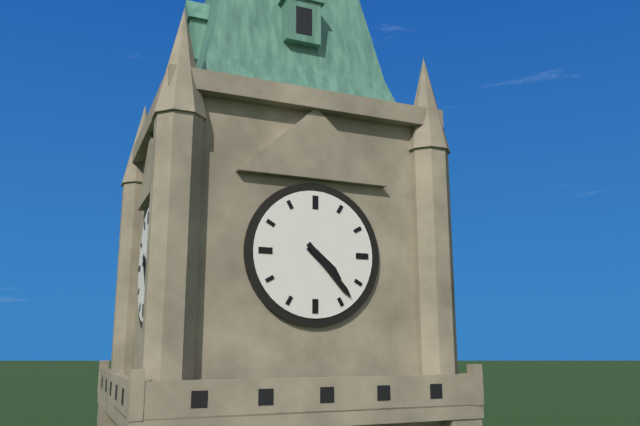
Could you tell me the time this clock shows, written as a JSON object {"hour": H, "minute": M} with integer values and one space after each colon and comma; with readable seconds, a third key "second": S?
{"hour": 4, "minute": 23}
